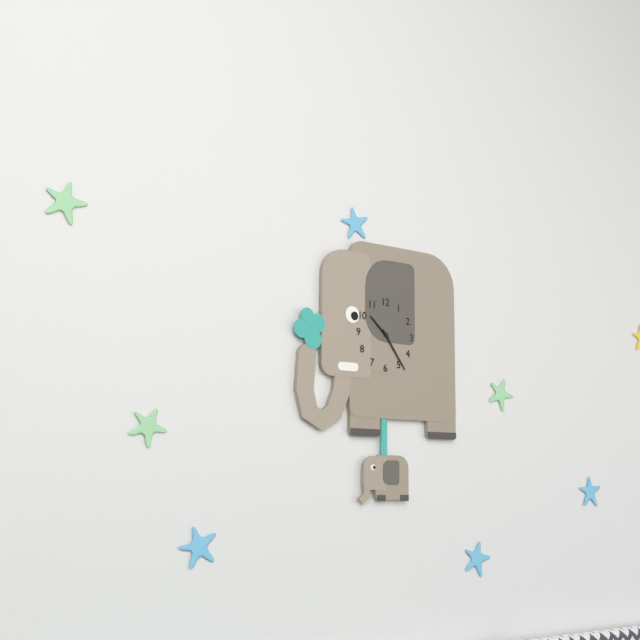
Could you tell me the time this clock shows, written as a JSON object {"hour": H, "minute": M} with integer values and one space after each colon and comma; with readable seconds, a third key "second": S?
{"hour": 10, "minute": 24}
